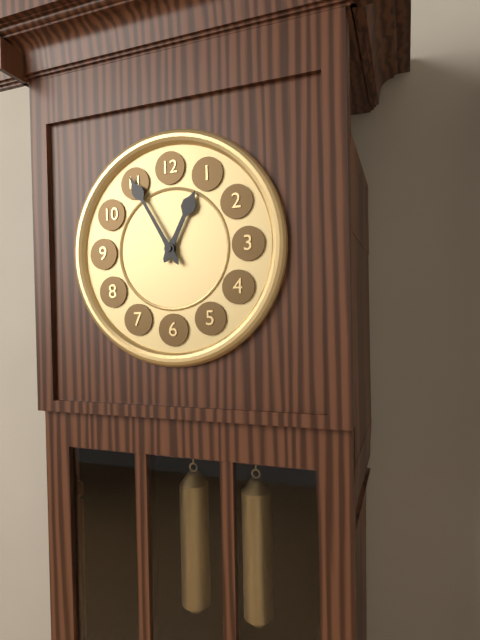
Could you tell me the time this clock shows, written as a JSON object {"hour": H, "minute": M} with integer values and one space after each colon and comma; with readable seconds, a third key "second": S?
{"hour": 12, "minute": 55}
